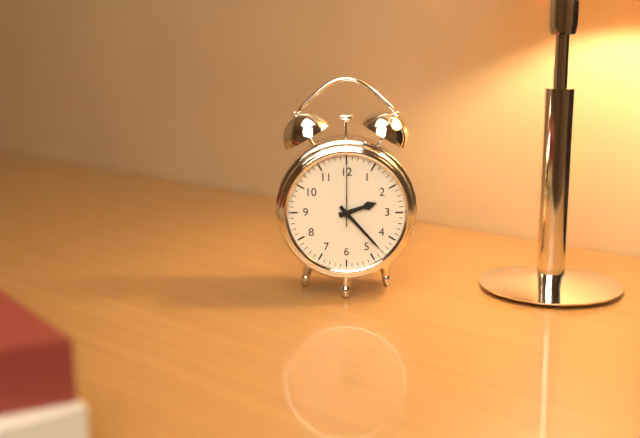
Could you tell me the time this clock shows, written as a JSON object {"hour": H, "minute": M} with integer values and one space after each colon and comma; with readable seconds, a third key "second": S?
{"hour": 2, "minute": 23, "second": 0}
